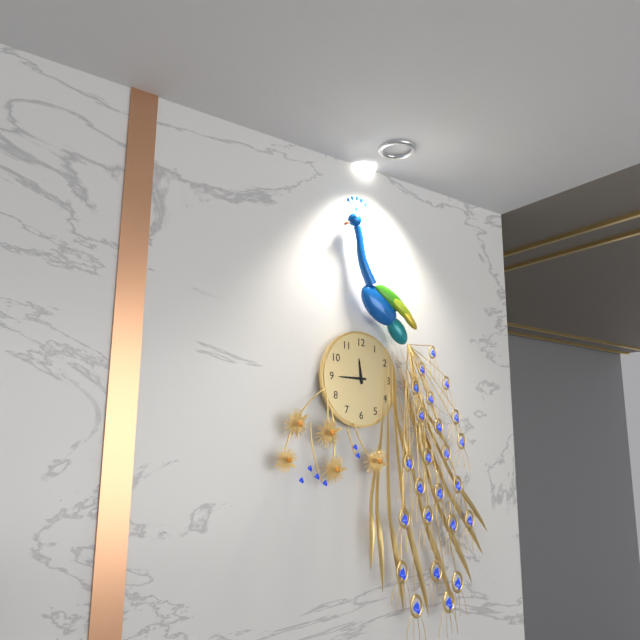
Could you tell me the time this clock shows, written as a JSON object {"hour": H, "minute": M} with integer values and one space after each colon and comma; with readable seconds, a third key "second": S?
{"hour": 11, "minute": 45}
